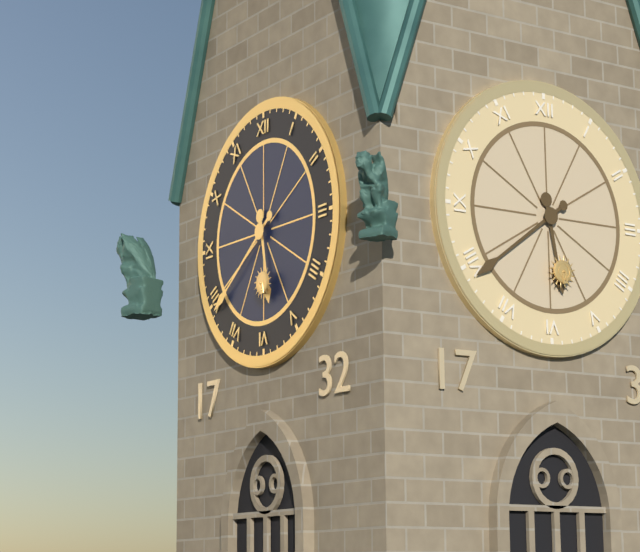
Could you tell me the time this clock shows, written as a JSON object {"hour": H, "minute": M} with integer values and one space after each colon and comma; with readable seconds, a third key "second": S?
{"hour": 5, "minute": 39}
